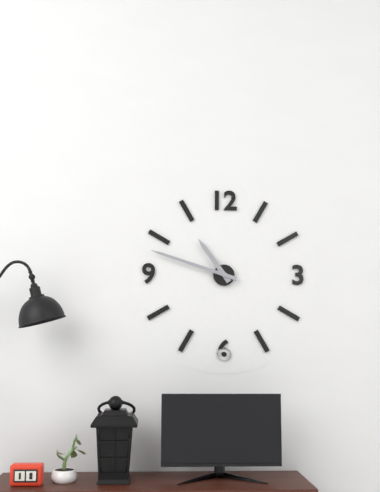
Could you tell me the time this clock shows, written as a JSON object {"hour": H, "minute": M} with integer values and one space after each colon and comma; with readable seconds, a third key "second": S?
{"hour": 10, "minute": 48}
